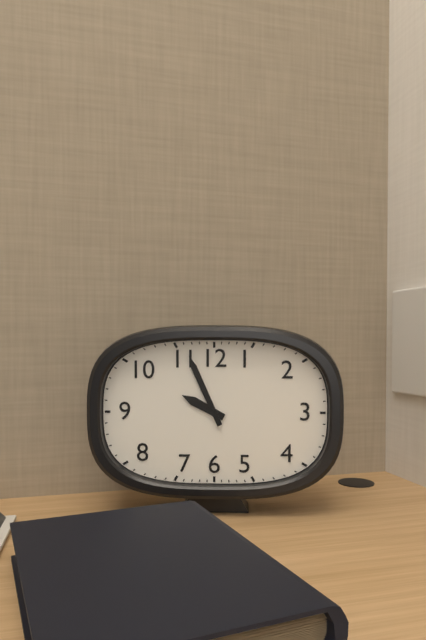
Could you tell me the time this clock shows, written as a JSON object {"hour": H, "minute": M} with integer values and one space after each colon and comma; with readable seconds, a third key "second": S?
{"hour": 9, "minute": 56}
